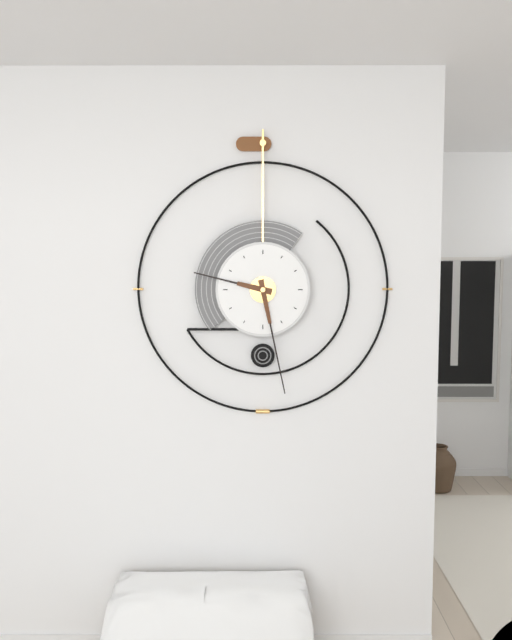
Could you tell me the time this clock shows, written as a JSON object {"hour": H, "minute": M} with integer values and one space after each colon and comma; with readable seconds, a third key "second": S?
{"hour": 9, "minute": 28}
